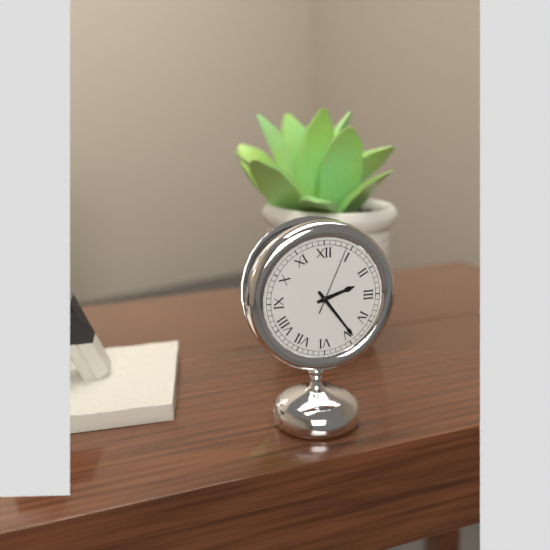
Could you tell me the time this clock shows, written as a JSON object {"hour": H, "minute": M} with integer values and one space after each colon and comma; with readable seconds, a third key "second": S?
{"hour": 2, "minute": 24, "second": 4}
